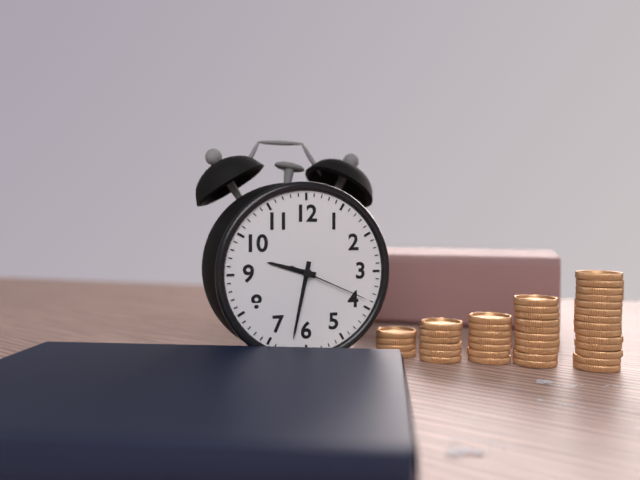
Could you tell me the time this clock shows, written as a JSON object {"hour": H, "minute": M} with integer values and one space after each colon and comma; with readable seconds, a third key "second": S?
{"hour": 9, "minute": 32, "second": 19}
